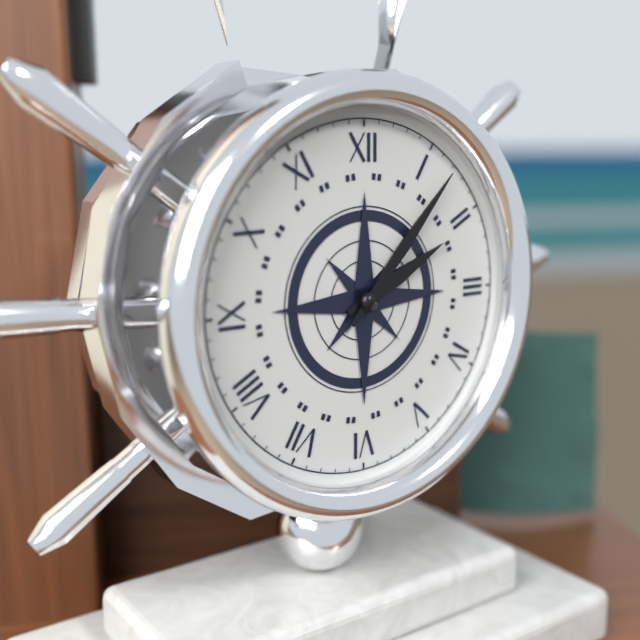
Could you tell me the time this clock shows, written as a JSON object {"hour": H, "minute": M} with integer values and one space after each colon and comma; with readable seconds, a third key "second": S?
{"hour": 2, "minute": 7}
